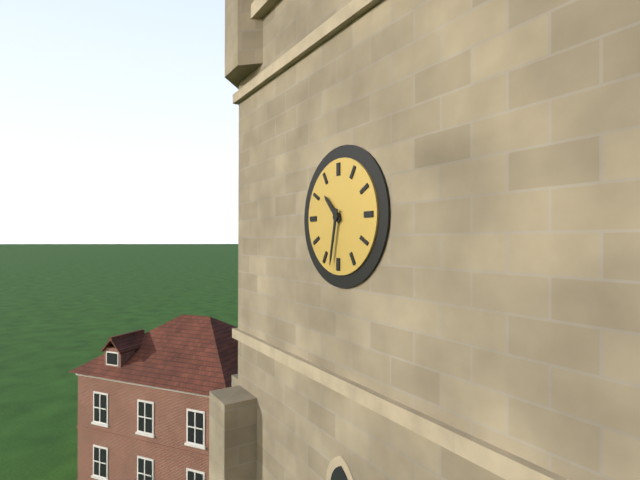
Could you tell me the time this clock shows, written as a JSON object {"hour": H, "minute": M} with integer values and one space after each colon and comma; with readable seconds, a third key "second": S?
{"hour": 10, "minute": 32}
